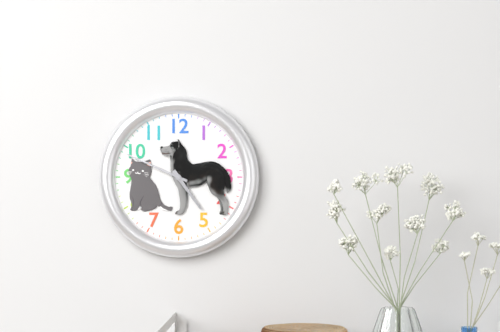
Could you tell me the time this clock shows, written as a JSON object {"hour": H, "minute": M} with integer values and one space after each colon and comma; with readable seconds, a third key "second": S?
{"hour": 4, "minute": 49}
